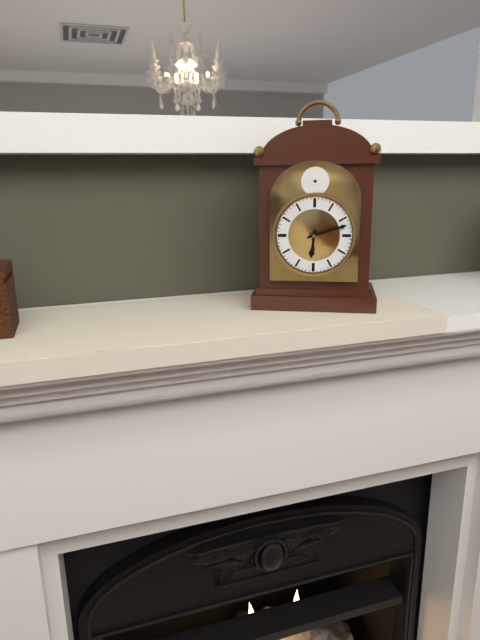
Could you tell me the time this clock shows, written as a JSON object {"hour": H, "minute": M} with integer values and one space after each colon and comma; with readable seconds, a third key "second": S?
{"hour": 6, "minute": 12}
